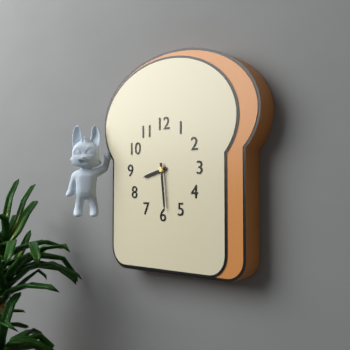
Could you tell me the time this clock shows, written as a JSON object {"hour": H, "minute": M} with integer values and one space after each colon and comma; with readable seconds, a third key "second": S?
{"hour": 8, "minute": 29}
